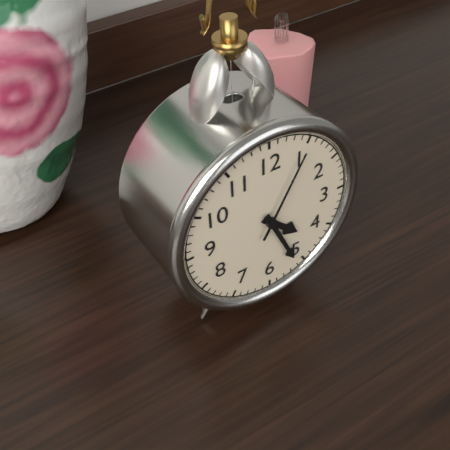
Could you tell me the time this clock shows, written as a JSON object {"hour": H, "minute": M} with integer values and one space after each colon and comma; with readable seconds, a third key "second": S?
{"hour": 4, "minute": 26, "second": 5}
